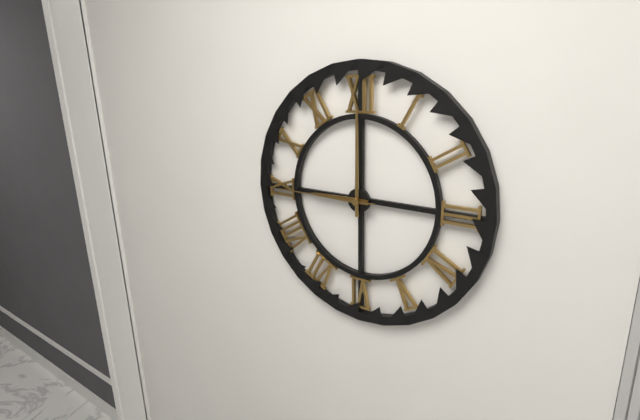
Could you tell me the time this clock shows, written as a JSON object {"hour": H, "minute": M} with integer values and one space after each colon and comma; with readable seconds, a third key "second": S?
{"hour": 9, "minute": 0, "second": 45}
